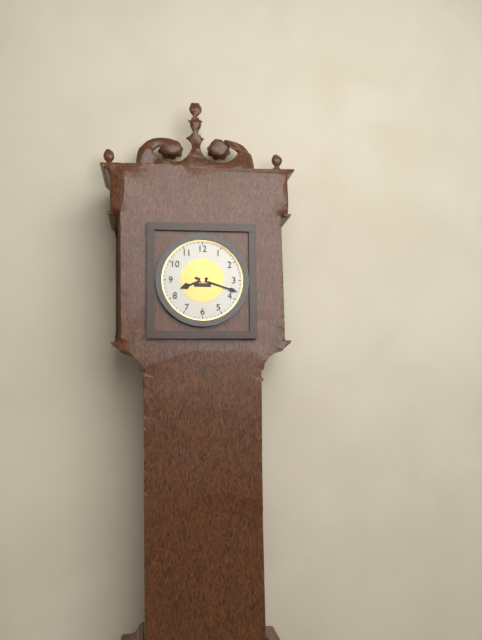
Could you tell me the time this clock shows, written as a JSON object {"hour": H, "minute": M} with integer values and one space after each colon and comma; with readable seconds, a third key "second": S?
{"hour": 8, "minute": 18}
